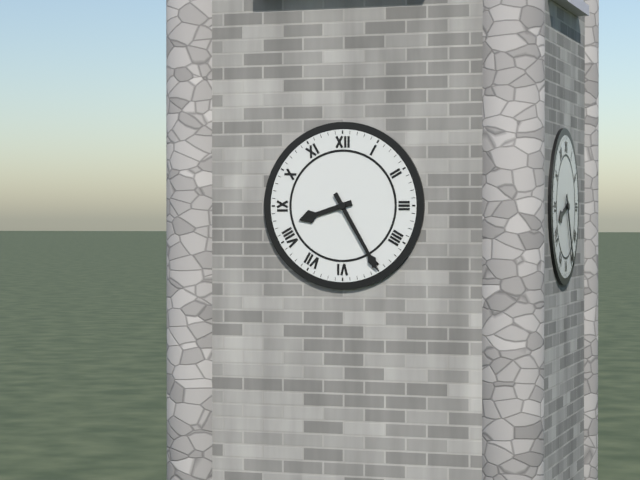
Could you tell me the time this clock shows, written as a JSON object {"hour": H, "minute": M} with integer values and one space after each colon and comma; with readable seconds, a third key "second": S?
{"hour": 8, "minute": 25}
